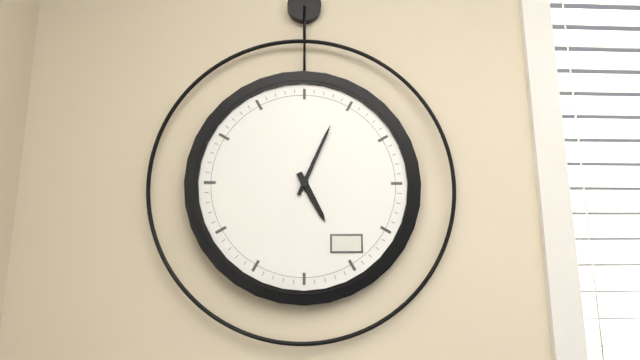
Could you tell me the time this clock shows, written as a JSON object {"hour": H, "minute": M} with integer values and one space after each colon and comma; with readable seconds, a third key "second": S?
{"hour": 5, "minute": 4}
